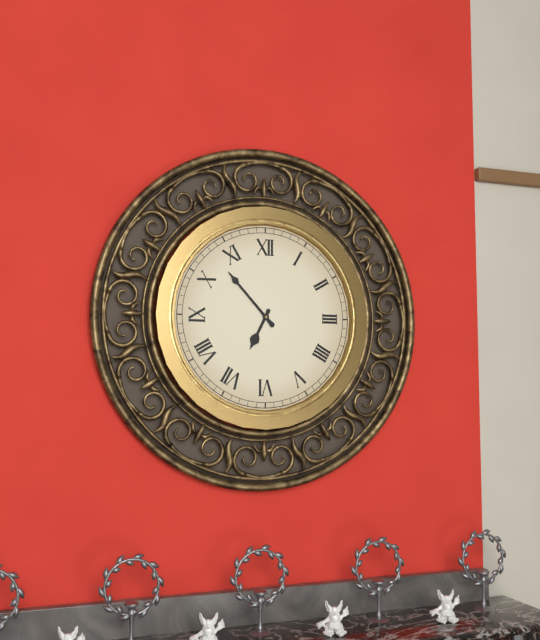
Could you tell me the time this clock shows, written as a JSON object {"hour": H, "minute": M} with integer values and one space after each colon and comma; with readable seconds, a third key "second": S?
{"hour": 6, "minute": 53}
